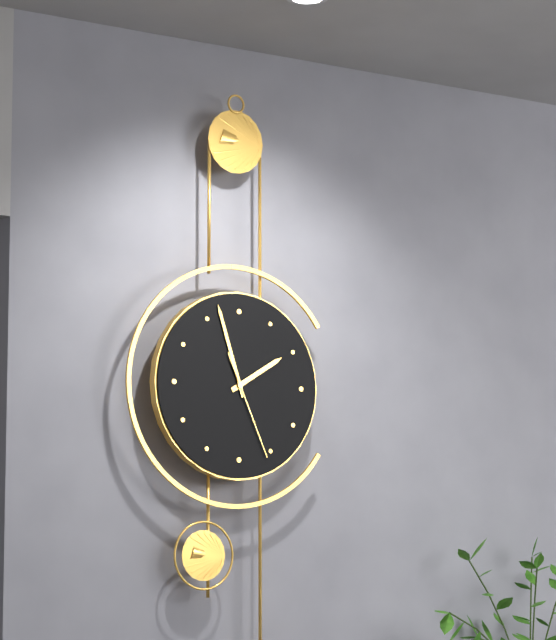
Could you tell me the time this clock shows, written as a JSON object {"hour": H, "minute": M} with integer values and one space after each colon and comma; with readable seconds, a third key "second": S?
{"hour": 1, "minute": 57, "second": 26}
